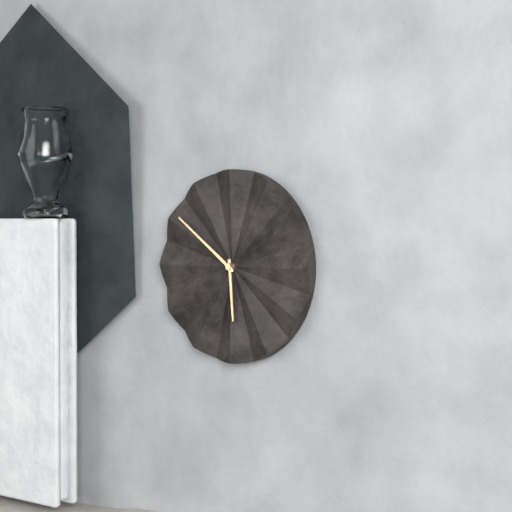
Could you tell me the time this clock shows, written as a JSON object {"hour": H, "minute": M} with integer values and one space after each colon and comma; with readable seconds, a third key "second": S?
{"hour": 5, "minute": 51}
